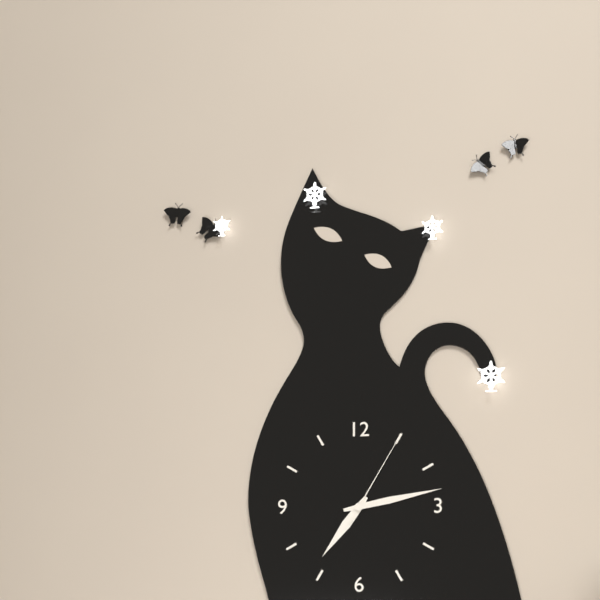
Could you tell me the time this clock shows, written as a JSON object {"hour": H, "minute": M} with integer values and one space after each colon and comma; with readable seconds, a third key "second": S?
{"hour": 7, "minute": 13, "second": 5}
